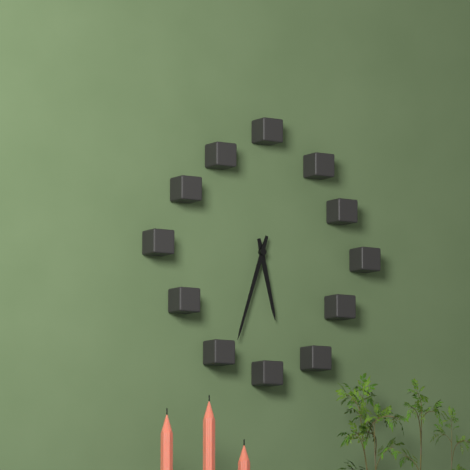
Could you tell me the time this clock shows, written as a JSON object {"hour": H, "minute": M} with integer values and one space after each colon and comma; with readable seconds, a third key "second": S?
{"hour": 5, "minute": 33}
